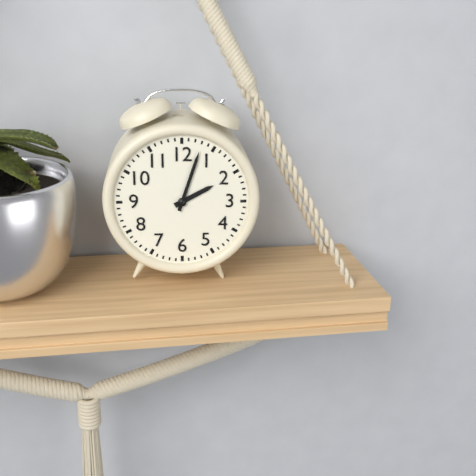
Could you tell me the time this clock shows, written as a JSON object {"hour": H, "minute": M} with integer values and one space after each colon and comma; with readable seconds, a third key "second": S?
{"hour": 2, "minute": 3}
